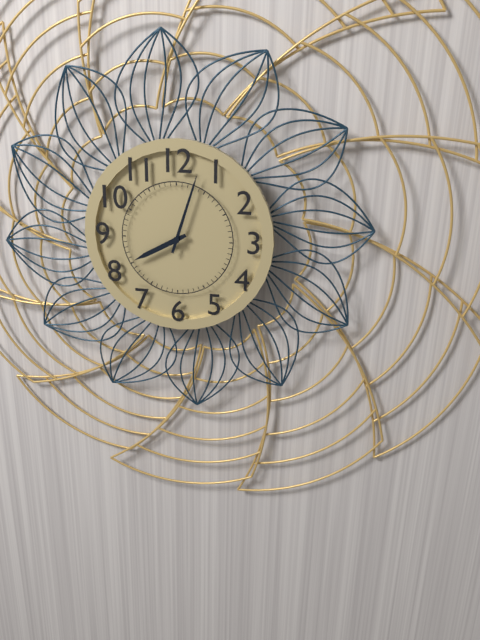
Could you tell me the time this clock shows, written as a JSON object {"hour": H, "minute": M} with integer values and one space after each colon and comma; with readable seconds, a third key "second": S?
{"hour": 8, "minute": 3}
